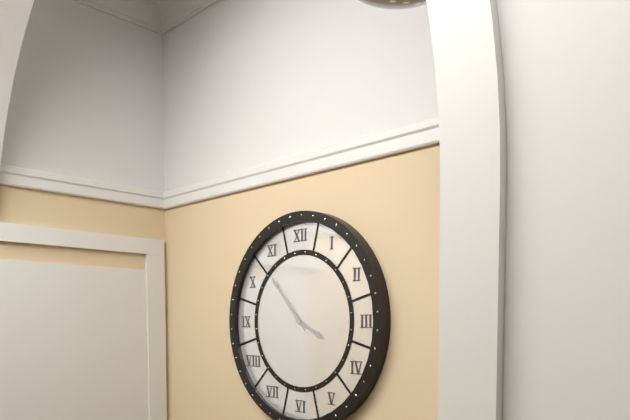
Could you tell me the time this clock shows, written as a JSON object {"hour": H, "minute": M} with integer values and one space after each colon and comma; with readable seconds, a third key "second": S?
{"hour": 3, "minute": 53}
